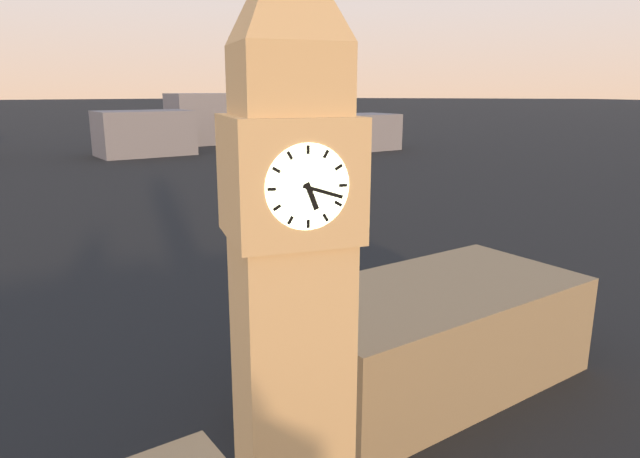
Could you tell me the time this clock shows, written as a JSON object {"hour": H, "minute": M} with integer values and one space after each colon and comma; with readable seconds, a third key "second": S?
{"hour": 5, "minute": 18}
